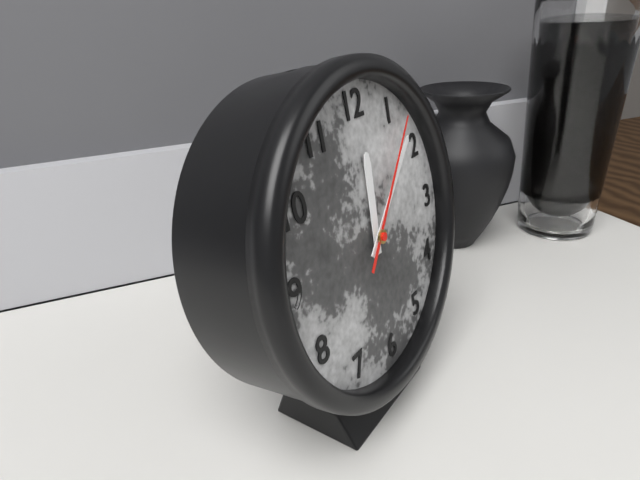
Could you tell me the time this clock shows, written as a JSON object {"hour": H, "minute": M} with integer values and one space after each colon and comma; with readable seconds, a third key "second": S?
{"hour": 12, "minute": 8, "second": 7}
